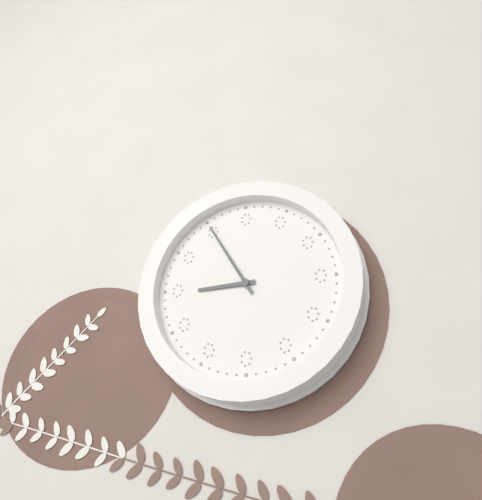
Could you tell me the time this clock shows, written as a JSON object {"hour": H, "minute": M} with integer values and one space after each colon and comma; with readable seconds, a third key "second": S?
{"hour": 8, "minute": 55}
